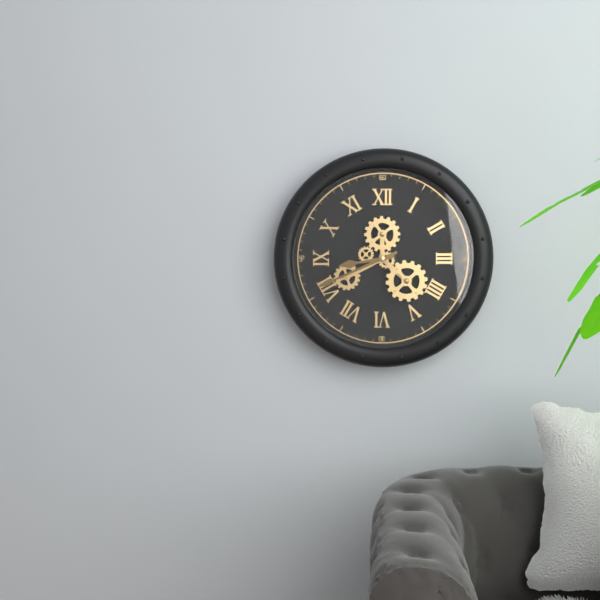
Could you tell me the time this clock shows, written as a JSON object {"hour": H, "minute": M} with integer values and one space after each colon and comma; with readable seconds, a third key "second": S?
{"hour": 8, "minute": 41}
